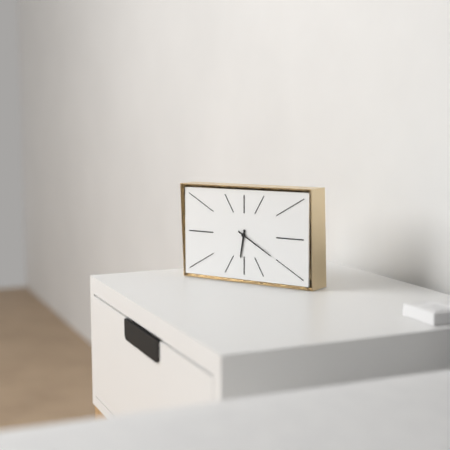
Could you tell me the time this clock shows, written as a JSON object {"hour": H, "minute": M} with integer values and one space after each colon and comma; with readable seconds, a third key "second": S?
{"hour": 6, "minute": 20}
